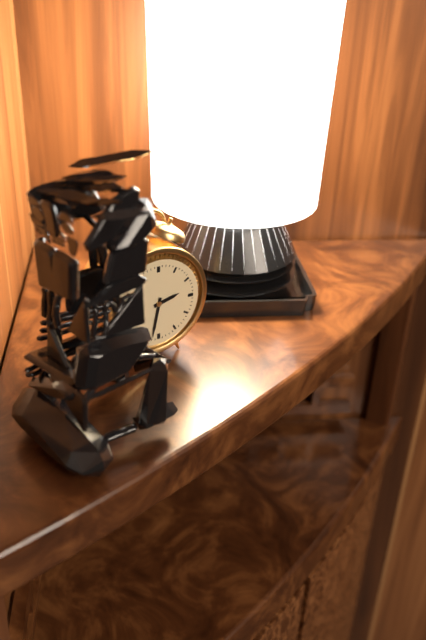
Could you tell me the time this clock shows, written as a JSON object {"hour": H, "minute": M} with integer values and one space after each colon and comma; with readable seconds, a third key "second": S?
{"hour": 2, "minute": 32}
